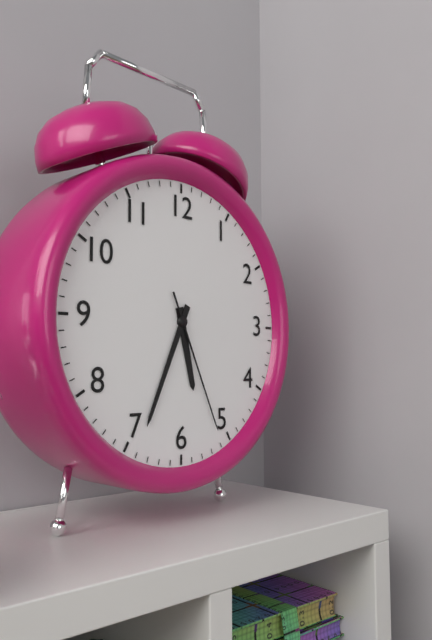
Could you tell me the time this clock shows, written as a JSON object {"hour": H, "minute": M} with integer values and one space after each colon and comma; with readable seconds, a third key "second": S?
{"hour": 5, "minute": 34, "second": 26}
